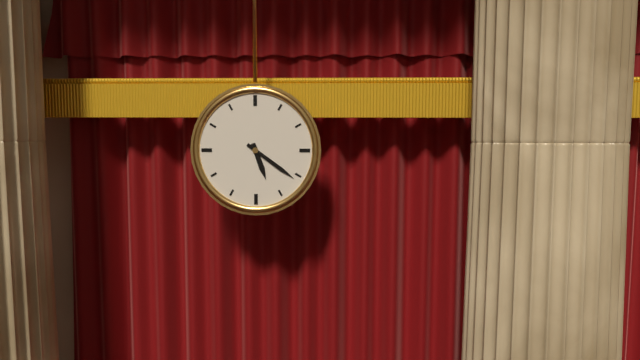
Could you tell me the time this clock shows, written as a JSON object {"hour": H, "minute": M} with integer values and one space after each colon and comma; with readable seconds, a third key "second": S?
{"hour": 5, "minute": 21}
